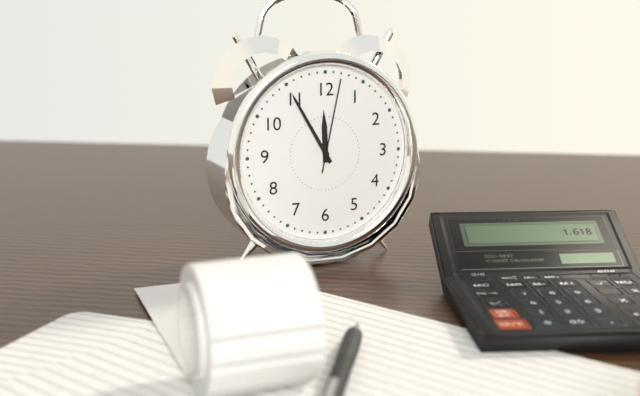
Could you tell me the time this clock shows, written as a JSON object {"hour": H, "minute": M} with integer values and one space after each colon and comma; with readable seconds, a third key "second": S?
{"hour": 11, "minute": 55, "second": 2}
